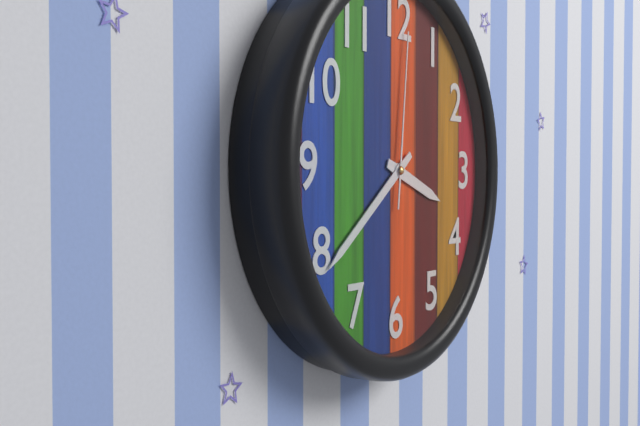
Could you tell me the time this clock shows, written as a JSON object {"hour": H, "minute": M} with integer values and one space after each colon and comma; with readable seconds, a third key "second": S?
{"hour": 3, "minute": 39, "second": 1}
